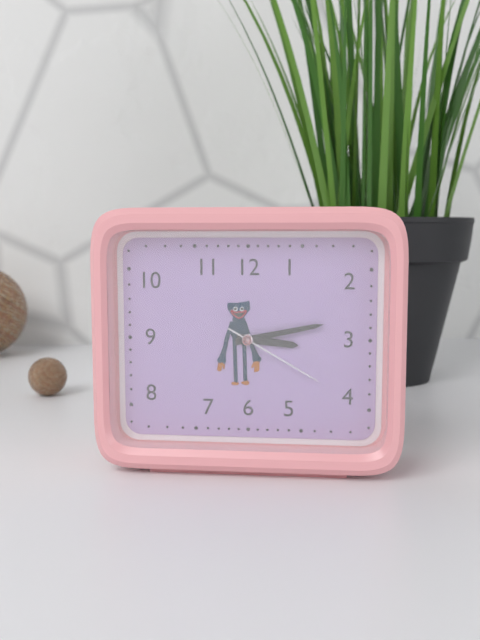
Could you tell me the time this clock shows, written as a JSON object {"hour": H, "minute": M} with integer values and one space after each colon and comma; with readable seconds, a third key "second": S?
{"hour": 3, "minute": 13, "second": 20}
